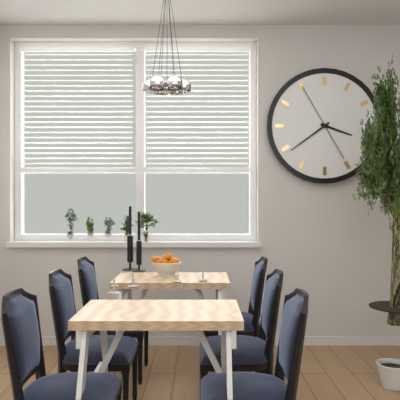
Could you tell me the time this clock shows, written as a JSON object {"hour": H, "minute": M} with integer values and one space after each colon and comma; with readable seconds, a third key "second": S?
{"hour": 3, "minute": 39, "second": 55}
